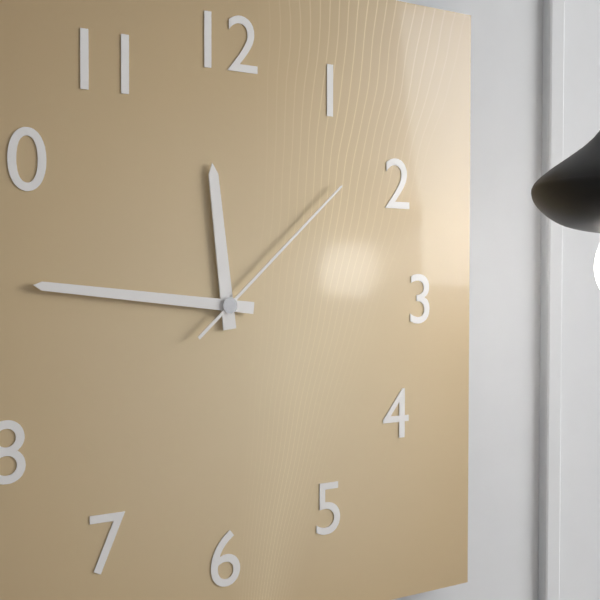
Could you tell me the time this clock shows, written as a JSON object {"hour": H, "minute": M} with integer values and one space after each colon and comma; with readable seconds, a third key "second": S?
{"hour": 11, "minute": 46, "second": 8}
